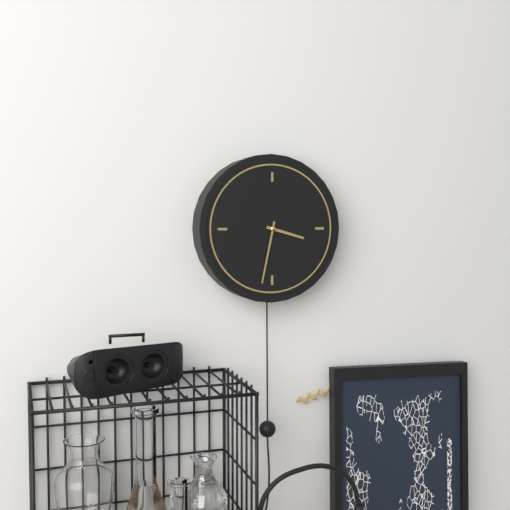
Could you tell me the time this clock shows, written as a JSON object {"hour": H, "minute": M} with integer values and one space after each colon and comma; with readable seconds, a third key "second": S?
{"hour": 3, "minute": 32}
